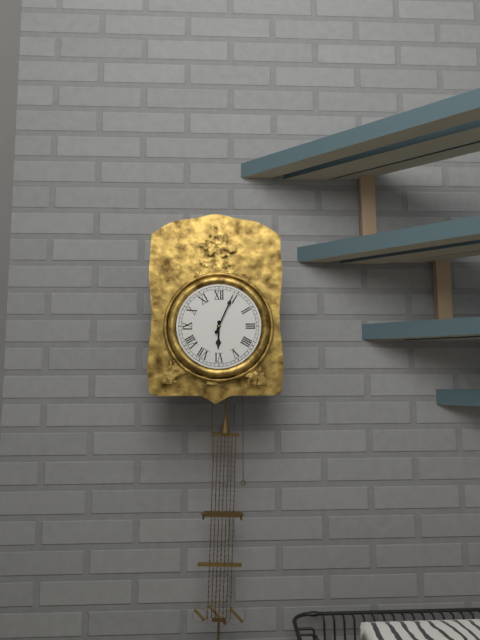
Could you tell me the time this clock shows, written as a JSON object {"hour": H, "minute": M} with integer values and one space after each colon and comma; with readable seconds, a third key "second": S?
{"hour": 6, "minute": 4}
